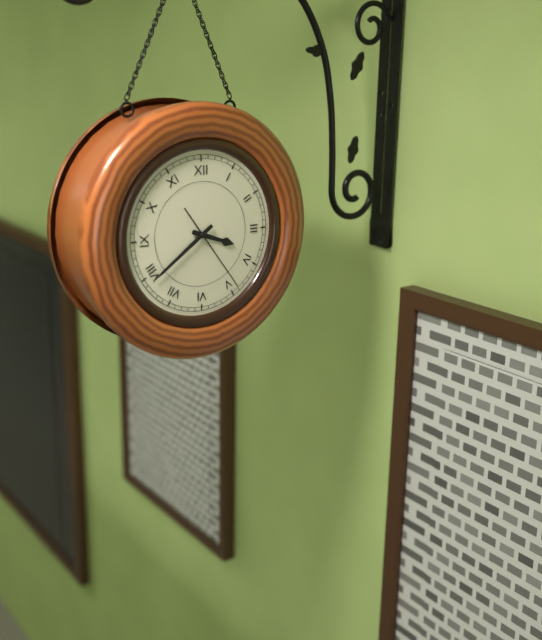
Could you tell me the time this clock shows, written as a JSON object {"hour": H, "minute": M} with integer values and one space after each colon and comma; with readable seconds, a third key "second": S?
{"hour": 3, "minute": 39, "second": 24}
